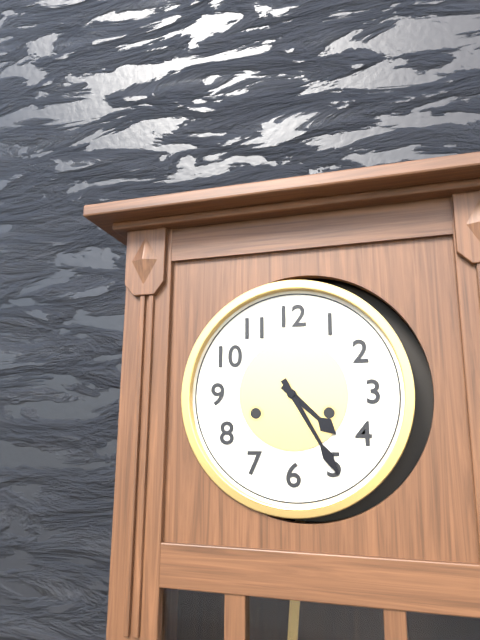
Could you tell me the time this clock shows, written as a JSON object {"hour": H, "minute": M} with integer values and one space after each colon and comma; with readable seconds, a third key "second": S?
{"hour": 4, "minute": 25}
